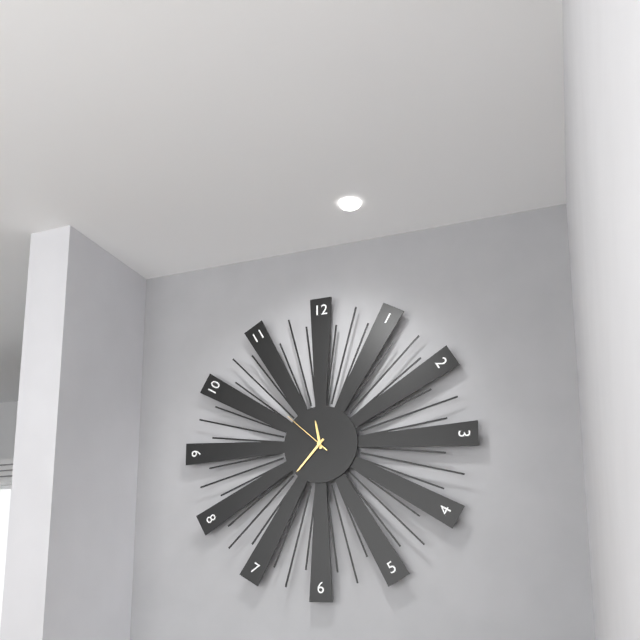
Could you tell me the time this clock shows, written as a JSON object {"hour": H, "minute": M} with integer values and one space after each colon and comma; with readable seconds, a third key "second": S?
{"hour": 11, "minute": 37, "second": 52}
